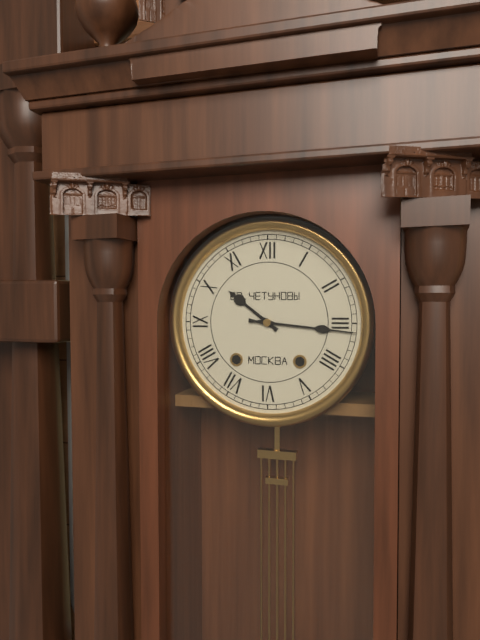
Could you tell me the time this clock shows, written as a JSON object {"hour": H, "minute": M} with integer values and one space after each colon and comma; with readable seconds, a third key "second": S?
{"hour": 10, "minute": 16}
